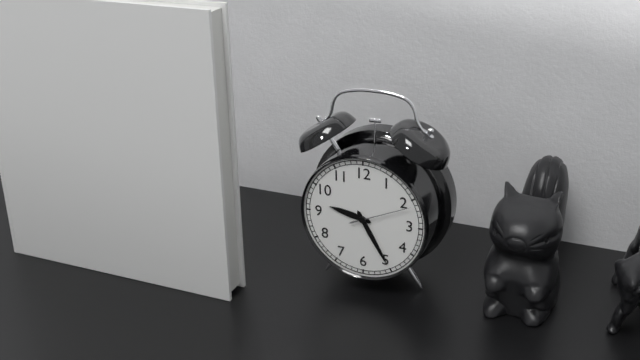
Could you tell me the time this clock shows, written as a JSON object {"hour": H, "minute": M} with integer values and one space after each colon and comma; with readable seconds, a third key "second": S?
{"hour": 9, "minute": 25, "second": 11}
